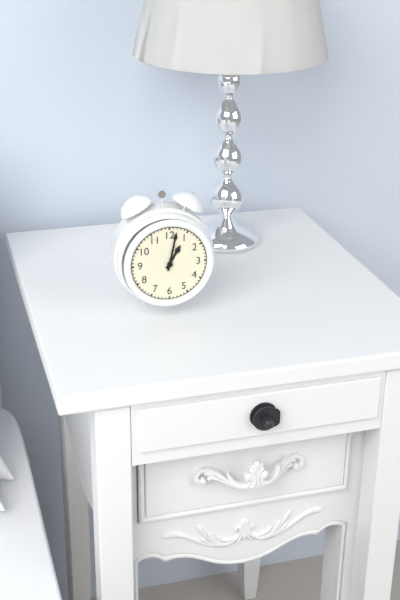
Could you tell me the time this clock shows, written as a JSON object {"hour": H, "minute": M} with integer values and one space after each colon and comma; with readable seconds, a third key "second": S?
{"hour": 1, "minute": 2}
